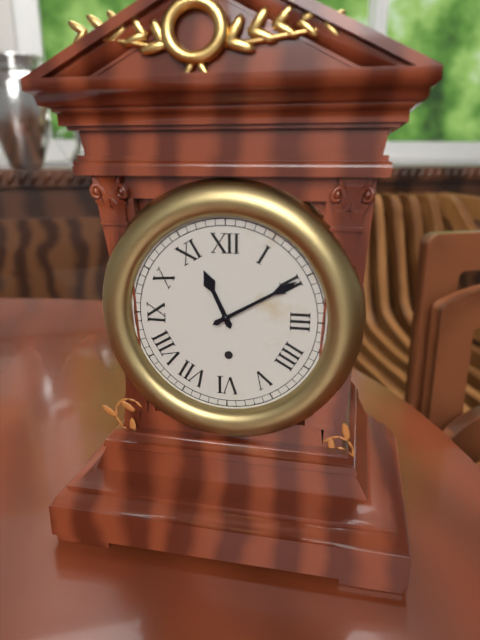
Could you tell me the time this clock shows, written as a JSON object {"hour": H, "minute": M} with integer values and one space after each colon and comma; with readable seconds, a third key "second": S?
{"hour": 11, "minute": 10}
